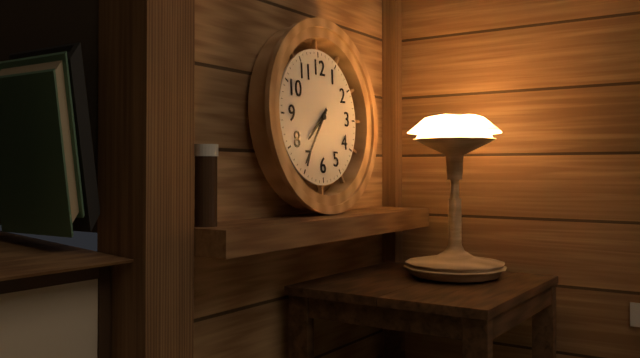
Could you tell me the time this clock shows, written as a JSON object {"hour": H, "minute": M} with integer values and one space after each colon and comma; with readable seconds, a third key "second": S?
{"hour": 7, "minute": 36}
